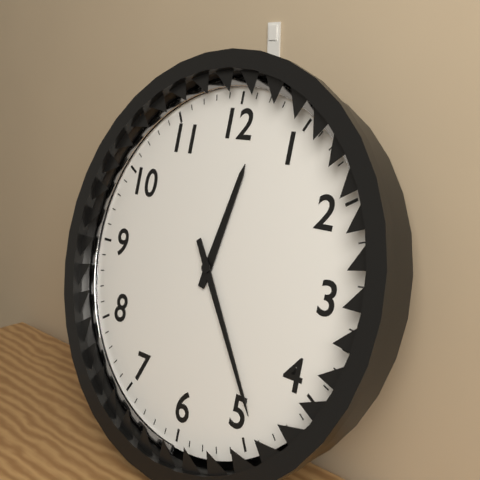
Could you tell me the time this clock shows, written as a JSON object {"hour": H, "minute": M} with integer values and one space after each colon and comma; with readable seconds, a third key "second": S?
{"hour": 12, "minute": 24}
